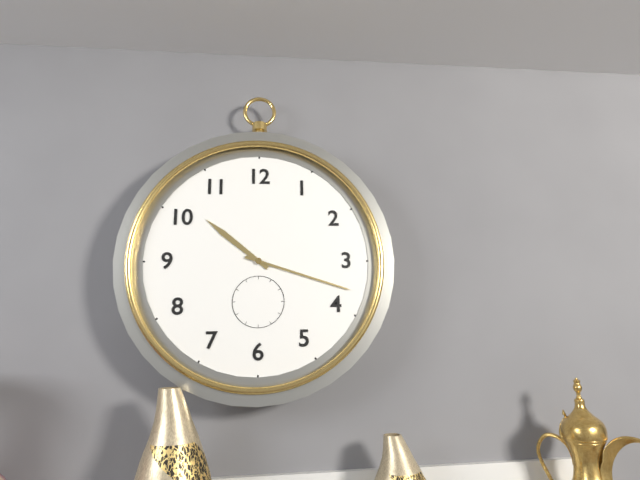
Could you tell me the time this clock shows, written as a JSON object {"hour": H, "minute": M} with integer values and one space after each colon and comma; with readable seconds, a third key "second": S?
{"hour": 10, "minute": 18}
